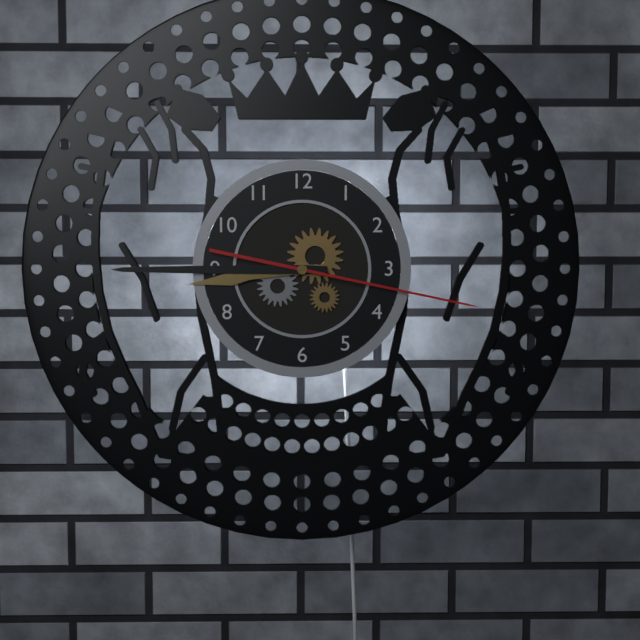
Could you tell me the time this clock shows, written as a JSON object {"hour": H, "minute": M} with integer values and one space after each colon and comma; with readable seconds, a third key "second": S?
{"hour": 8, "minute": 45, "second": 17}
